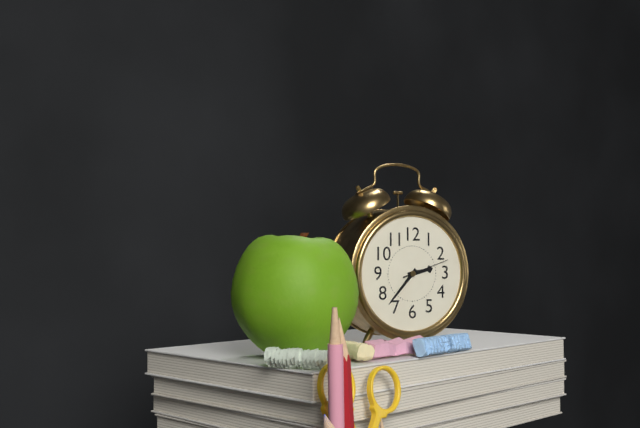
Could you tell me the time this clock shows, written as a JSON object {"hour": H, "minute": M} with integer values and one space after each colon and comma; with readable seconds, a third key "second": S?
{"hour": 2, "minute": 37}
